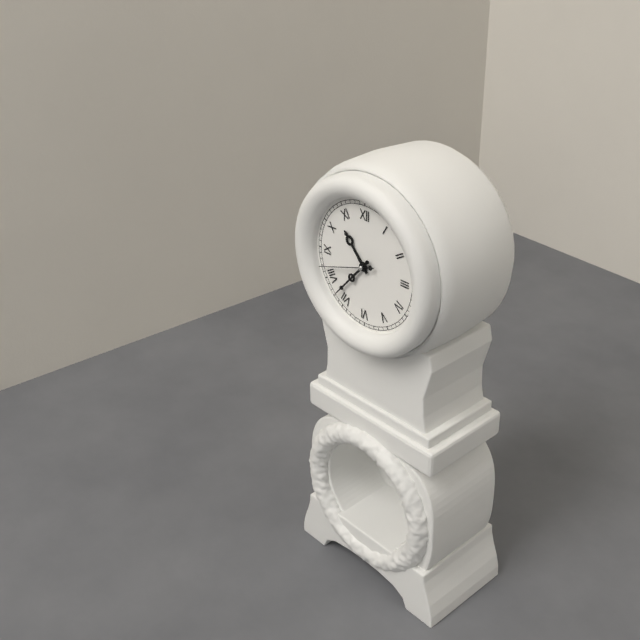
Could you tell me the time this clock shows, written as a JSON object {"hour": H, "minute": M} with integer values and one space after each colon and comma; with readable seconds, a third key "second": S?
{"hour": 10, "minute": 37, "second": 42}
